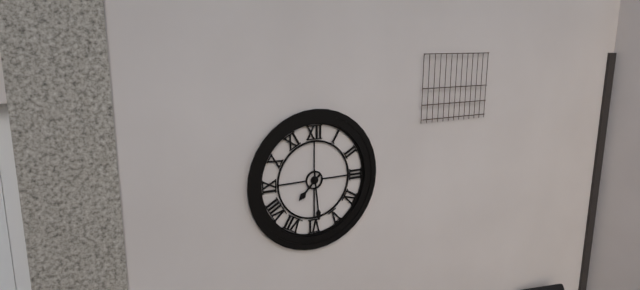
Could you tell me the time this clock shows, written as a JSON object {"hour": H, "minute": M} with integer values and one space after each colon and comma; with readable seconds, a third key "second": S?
{"hour": 7, "minute": 29}
